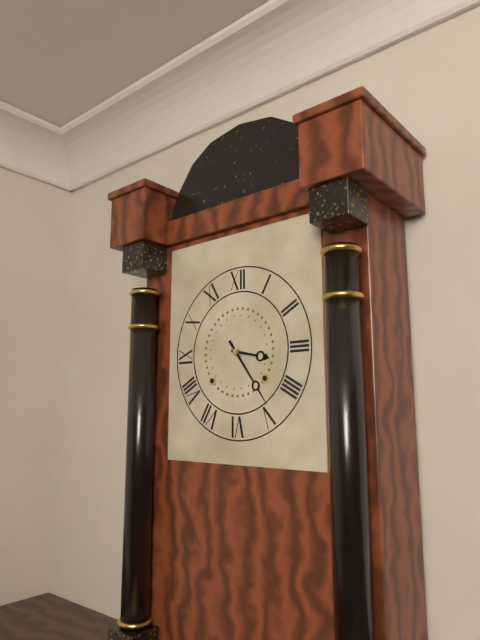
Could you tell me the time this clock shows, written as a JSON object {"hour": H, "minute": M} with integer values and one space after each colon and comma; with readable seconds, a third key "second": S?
{"hour": 3, "minute": 24}
